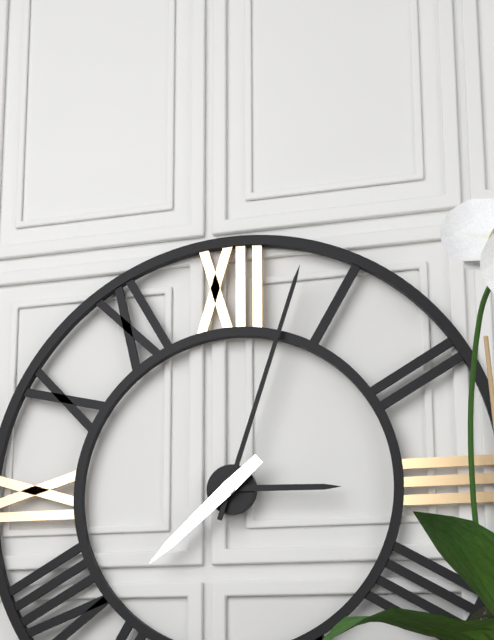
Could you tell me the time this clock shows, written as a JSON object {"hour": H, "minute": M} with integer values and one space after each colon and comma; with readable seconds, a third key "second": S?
{"hour": 3, "minute": 3, "second": 38}
